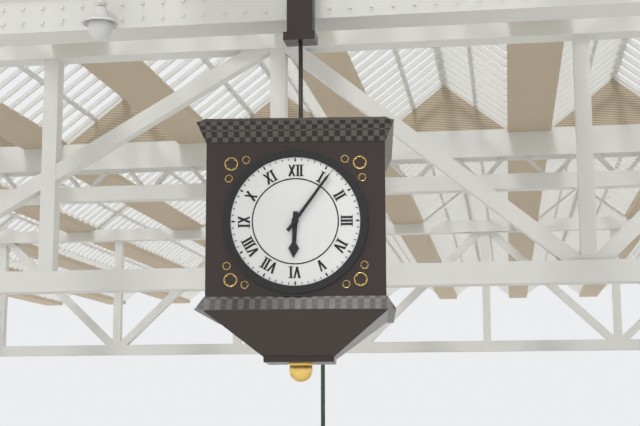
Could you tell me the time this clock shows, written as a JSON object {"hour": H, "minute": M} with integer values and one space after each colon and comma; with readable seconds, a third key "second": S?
{"hour": 6, "minute": 6}
